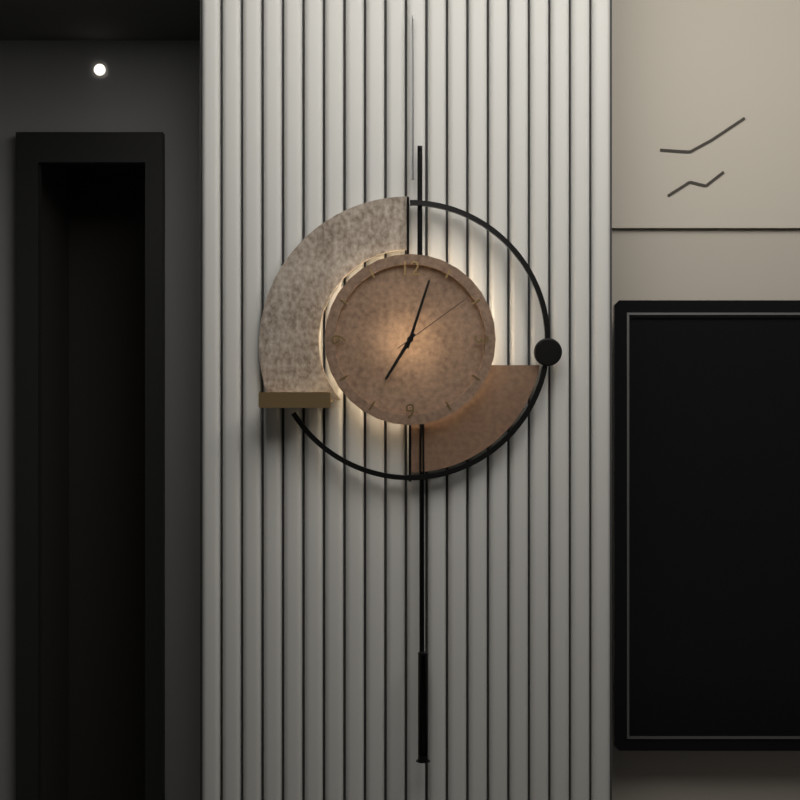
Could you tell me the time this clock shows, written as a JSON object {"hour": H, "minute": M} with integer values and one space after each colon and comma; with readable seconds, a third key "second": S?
{"hour": 7, "minute": 3, "second": 9}
